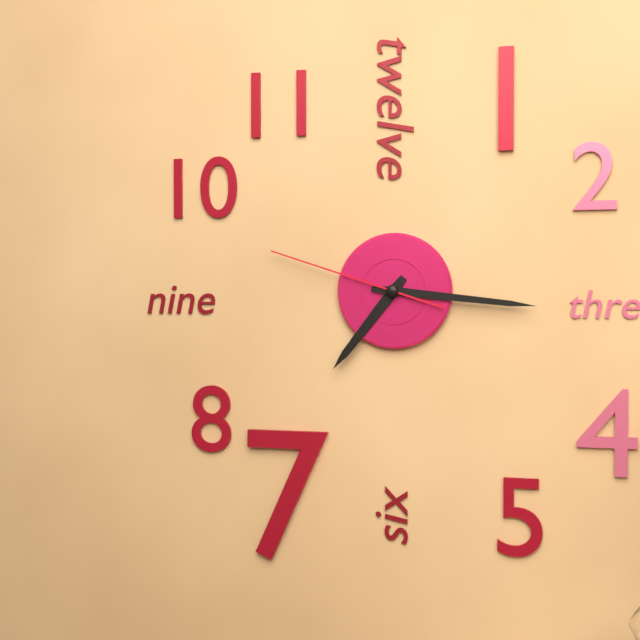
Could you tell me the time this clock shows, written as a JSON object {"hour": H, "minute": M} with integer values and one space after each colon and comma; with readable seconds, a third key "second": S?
{"hour": 7, "minute": 16, "second": 48}
